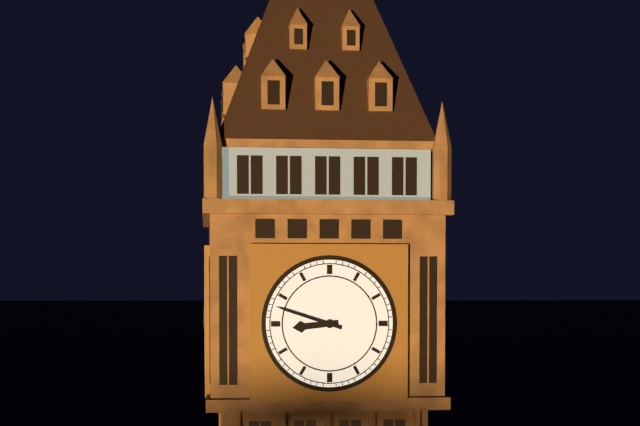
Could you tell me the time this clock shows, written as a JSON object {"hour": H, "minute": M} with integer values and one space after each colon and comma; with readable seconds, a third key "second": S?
{"hour": 8, "minute": 48}
